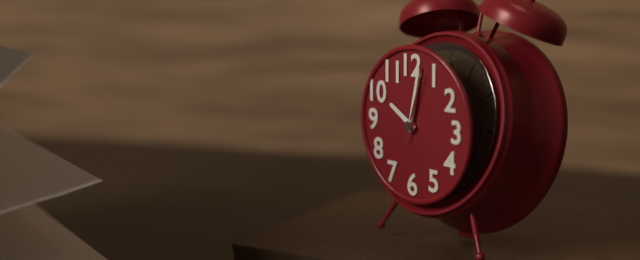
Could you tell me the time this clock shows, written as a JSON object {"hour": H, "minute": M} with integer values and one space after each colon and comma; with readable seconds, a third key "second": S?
{"hour": 10, "minute": 2, "second": 3}
